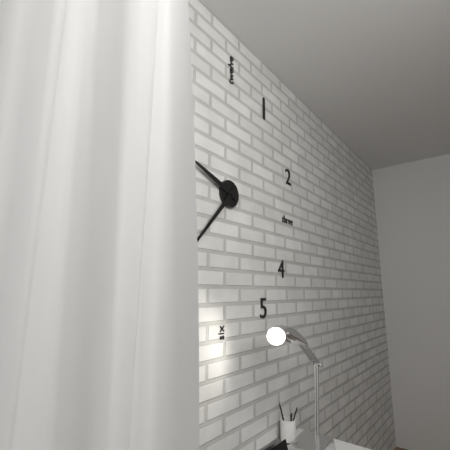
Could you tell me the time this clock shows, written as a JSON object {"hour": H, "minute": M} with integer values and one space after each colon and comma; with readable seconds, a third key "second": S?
{"hour": 9, "minute": 37}
